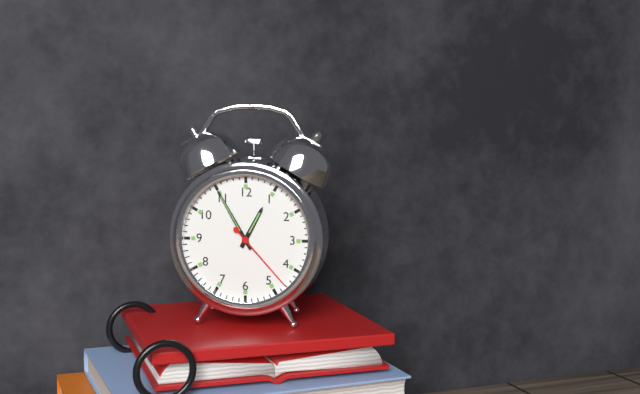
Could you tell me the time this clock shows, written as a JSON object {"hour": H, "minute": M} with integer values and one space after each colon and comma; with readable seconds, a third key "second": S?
{"hour": 12, "minute": 55, "second": 23}
